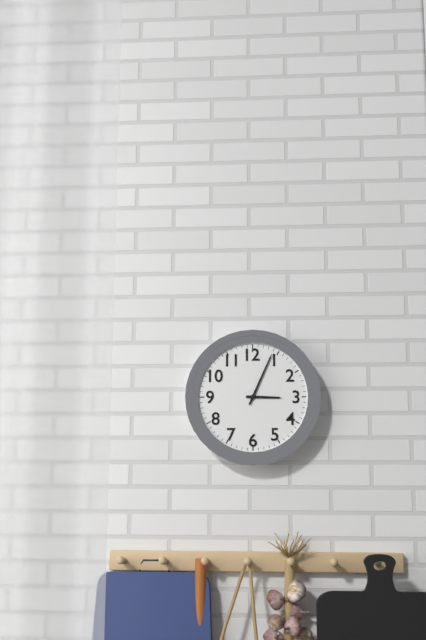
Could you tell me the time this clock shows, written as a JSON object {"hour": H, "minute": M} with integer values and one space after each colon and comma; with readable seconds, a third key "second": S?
{"hour": 3, "minute": 4}
